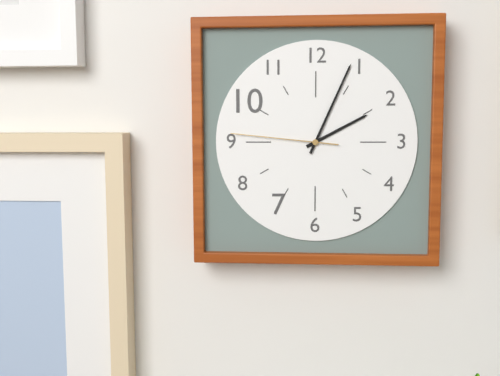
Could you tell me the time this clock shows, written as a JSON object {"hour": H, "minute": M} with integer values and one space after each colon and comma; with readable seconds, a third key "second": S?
{"hour": 2, "minute": 4, "second": 46}
